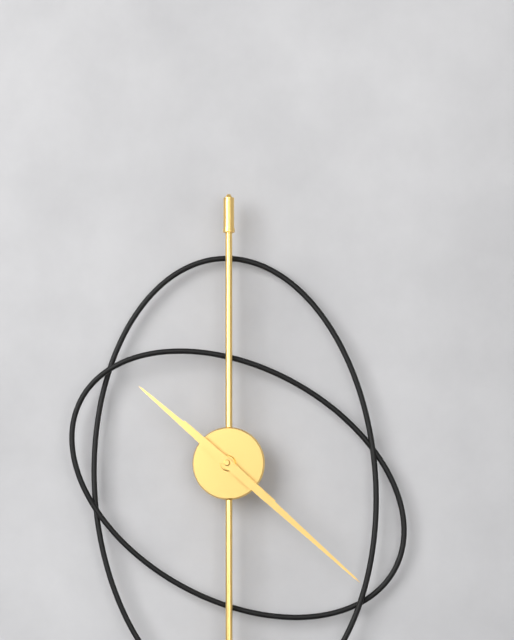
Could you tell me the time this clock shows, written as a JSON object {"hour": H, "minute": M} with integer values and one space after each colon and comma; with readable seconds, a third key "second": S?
{"hour": 10, "minute": 22}
